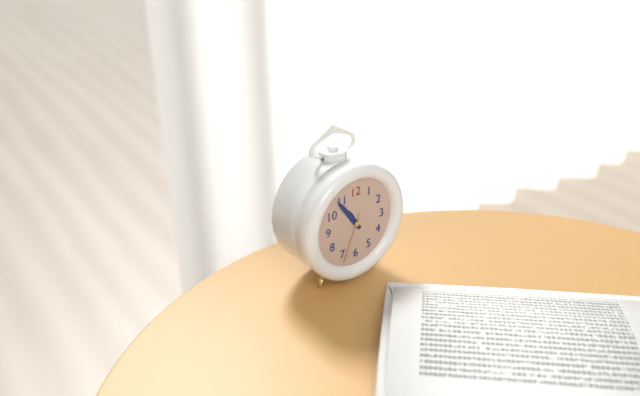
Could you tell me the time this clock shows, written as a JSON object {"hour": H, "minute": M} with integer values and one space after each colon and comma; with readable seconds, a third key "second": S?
{"hour": 10, "minute": 54, "second": 34}
